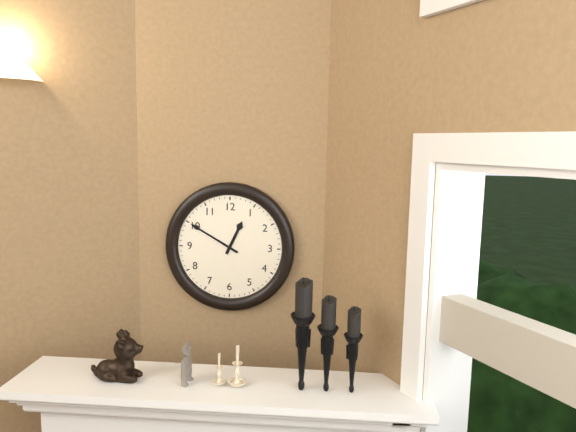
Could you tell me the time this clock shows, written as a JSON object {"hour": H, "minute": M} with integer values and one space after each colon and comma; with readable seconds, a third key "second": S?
{"hour": 12, "minute": 50}
